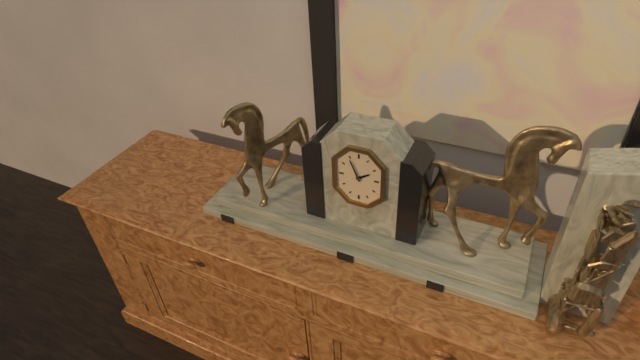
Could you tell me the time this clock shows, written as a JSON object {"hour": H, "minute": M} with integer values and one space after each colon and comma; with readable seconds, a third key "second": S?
{"hour": 1, "minute": 56}
